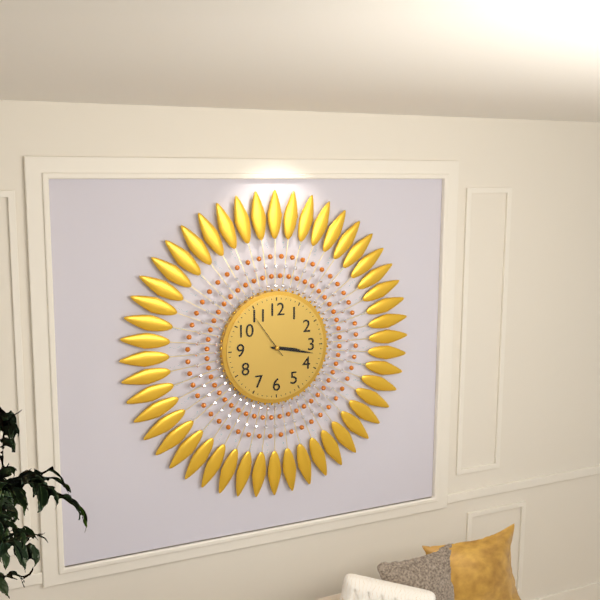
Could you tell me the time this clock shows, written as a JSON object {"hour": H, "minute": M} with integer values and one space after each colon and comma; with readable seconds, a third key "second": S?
{"hour": 3, "minute": 17, "second": 54}
